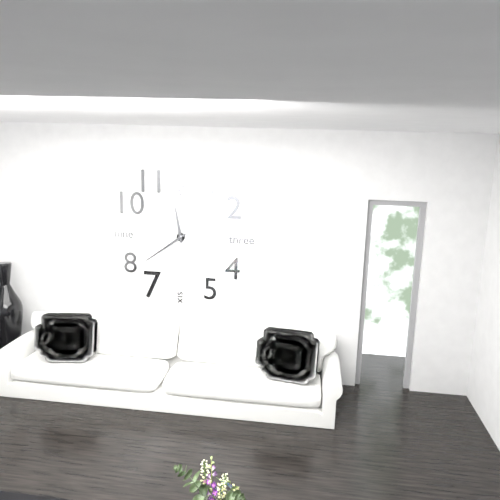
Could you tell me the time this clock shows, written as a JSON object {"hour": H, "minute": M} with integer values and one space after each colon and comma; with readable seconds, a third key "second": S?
{"hour": 11, "minute": 39}
